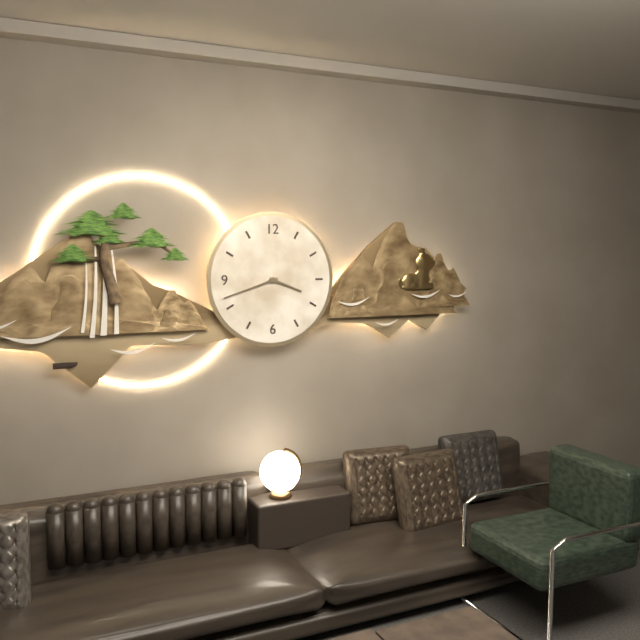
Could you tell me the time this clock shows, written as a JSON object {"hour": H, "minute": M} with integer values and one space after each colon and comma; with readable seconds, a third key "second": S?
{"hour": 3, "minute": 42}
